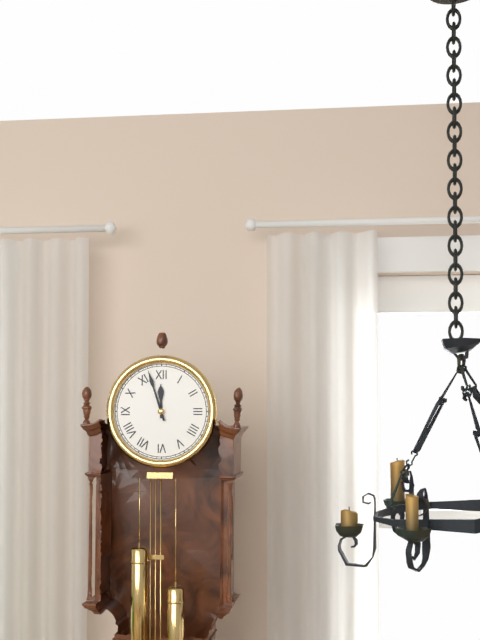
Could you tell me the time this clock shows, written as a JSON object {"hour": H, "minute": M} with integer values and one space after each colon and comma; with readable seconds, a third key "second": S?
{"hour": 11, "minute": 57}
